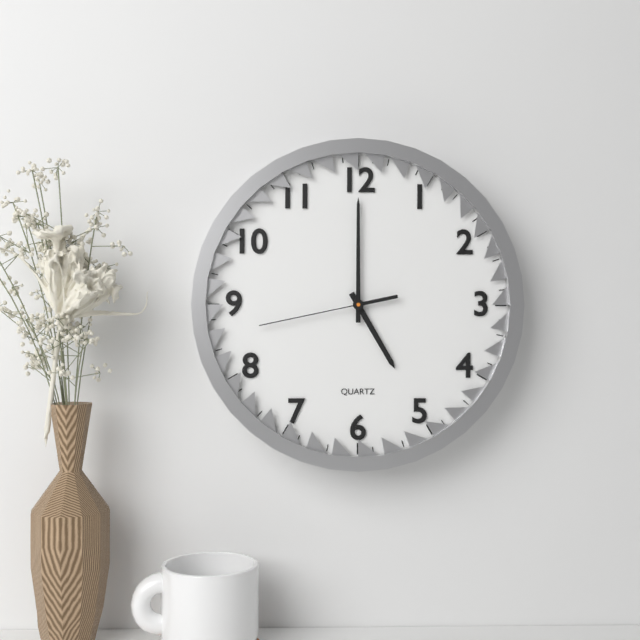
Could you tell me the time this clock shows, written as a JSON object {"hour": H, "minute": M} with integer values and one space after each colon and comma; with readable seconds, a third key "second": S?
{"hour": 5, "minute": 0, "second": 43}
